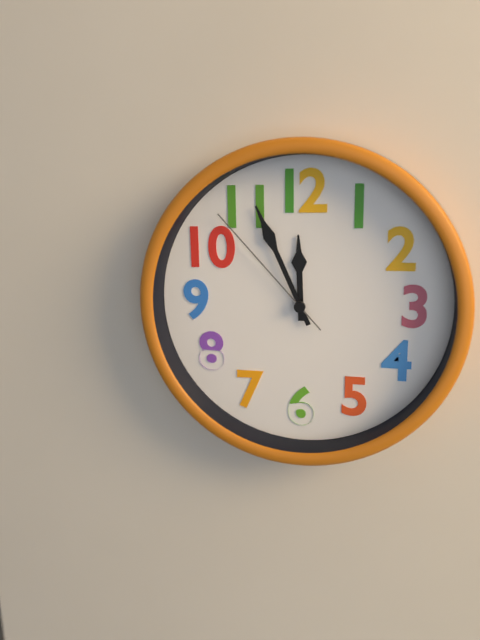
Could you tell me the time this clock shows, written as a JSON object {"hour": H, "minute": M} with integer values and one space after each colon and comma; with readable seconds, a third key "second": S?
{"hour": 11, "minute": 56, "second": 53}
